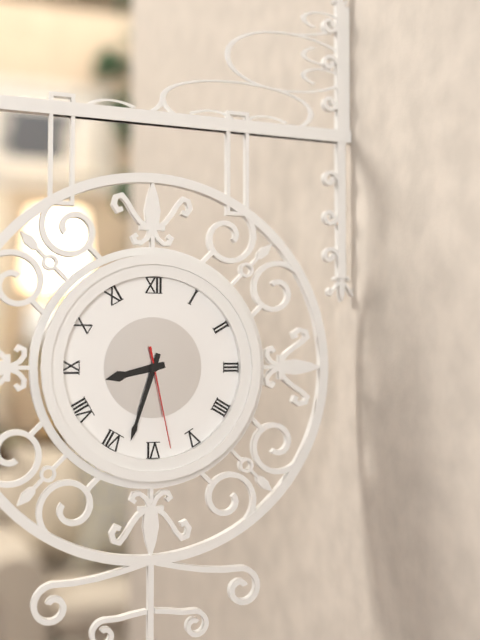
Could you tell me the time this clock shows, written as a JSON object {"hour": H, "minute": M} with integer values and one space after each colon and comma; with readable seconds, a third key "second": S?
{"hour": 8, "minute": 33, "second": 28}
